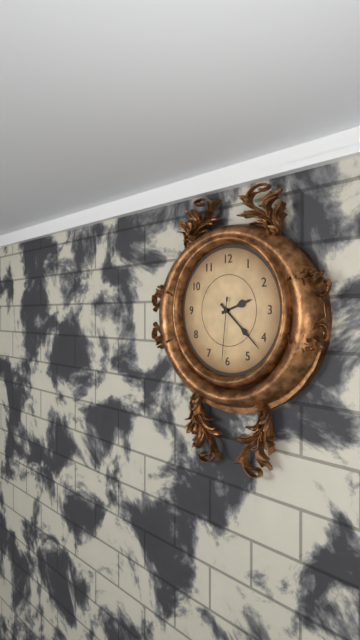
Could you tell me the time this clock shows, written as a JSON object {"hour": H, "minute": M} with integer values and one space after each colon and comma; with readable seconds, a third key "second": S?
{"hour": 2, "minute": 22, "second": 31}
